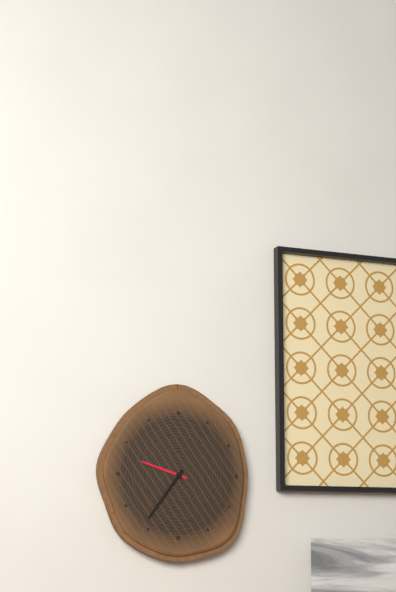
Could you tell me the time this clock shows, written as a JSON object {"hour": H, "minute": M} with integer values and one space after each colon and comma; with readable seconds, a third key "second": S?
{"hour": 9, "minute": 36}
